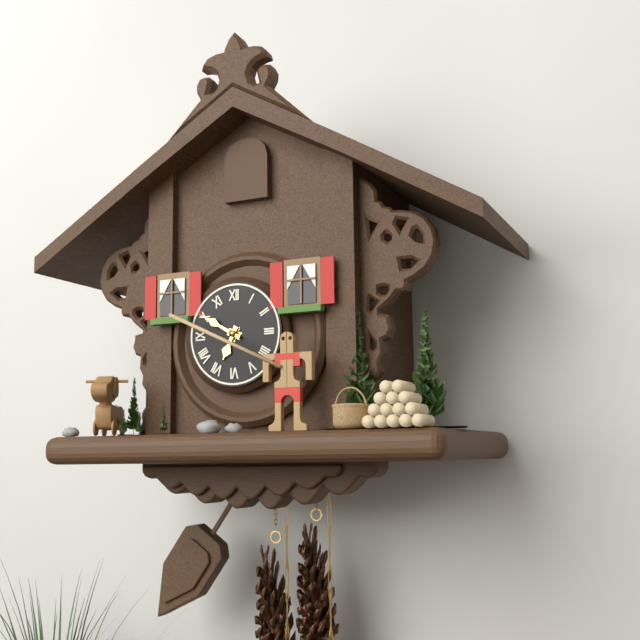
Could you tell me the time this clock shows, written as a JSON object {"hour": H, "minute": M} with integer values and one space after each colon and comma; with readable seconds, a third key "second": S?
{"hour": 6, "minute": 50}
